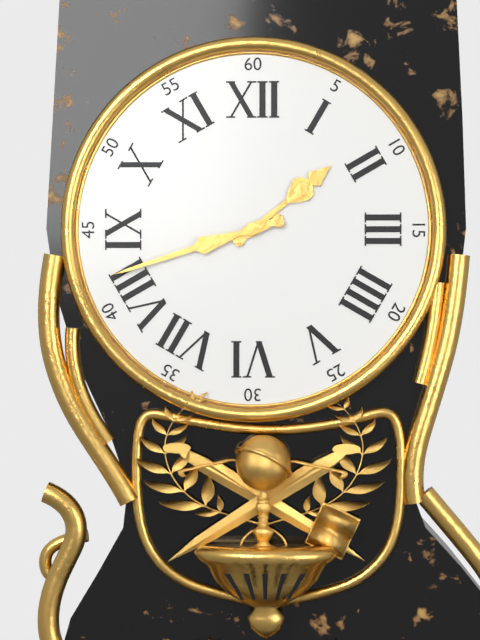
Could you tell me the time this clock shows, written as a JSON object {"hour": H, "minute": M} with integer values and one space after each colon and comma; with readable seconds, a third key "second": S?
{"hour": 1, "minute": 42}
